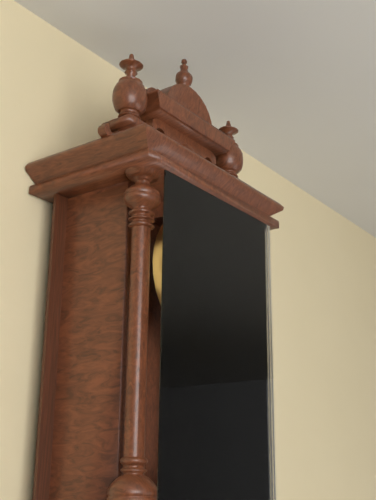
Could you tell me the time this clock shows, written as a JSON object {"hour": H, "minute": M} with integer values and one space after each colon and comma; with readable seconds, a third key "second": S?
{"hour": 12, "minute": 23}
